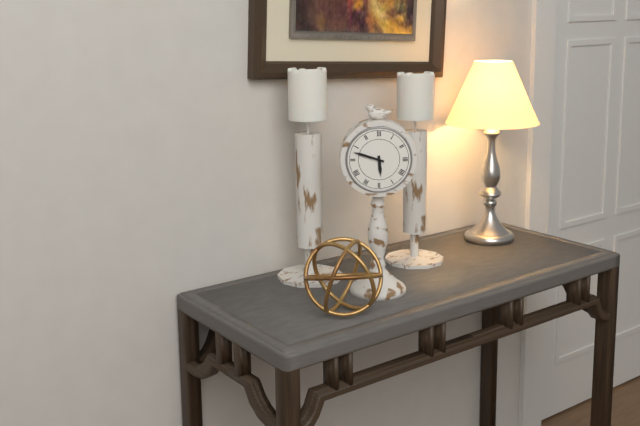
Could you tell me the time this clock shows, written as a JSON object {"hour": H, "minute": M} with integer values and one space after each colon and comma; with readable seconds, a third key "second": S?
{"hour": 5, "minute": 48}
